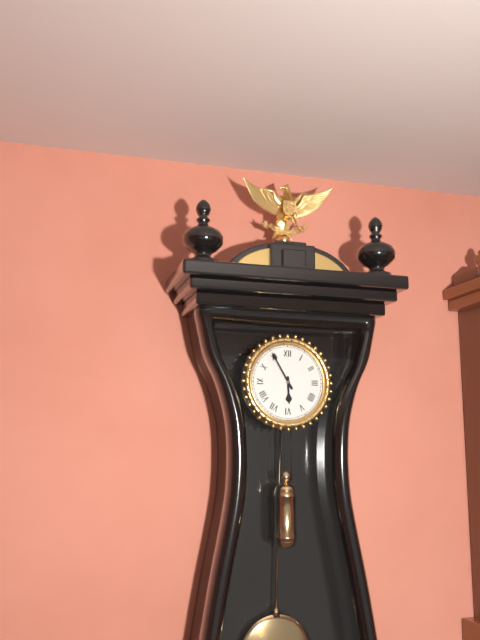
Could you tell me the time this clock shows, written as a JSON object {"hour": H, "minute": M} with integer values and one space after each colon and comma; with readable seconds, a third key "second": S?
{"hour": 5, "minute": 55}
